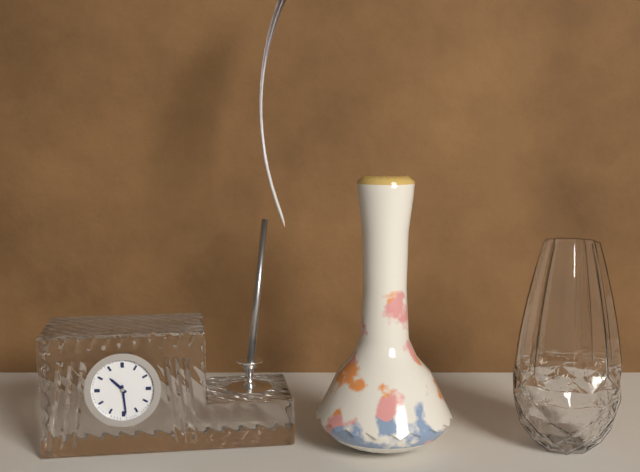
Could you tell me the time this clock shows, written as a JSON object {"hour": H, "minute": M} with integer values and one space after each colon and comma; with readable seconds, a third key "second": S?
{"hour": 10, "minute": 29}
